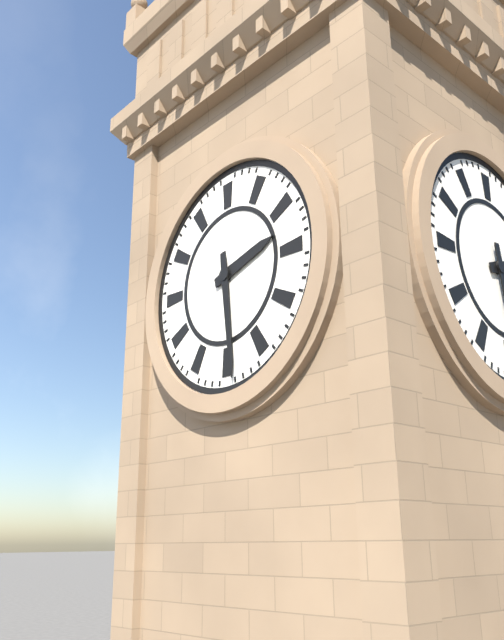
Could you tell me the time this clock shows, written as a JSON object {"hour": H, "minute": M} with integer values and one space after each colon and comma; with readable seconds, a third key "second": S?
{"hour": 2, "minute": 29}
